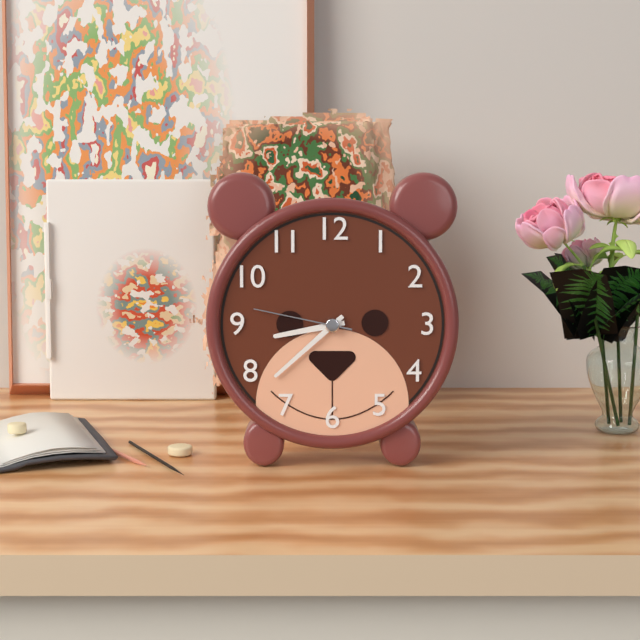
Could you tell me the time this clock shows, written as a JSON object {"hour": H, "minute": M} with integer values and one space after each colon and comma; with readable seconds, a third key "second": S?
{"hour": 8, "minute": 38, "second": 47}
